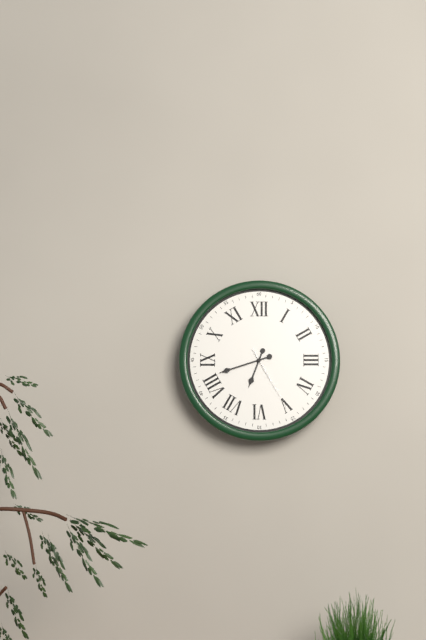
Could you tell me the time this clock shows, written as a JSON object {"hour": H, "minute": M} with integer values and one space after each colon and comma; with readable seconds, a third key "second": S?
{"hour": 6, "minute": 42, "second": 25}
